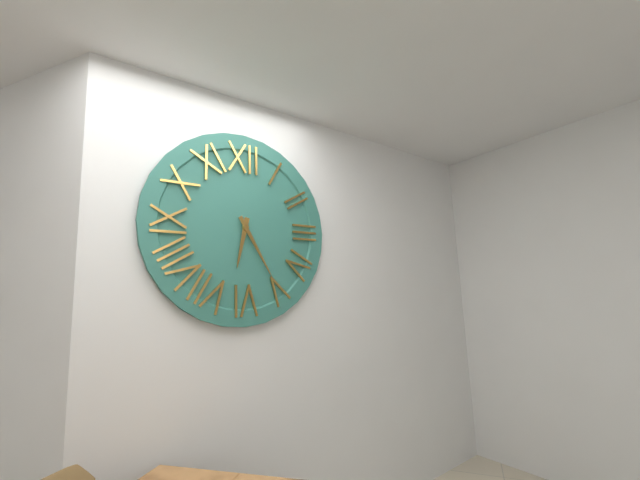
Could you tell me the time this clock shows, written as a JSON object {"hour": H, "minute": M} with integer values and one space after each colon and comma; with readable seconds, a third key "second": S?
{"hour": 6, "minute": 25}
